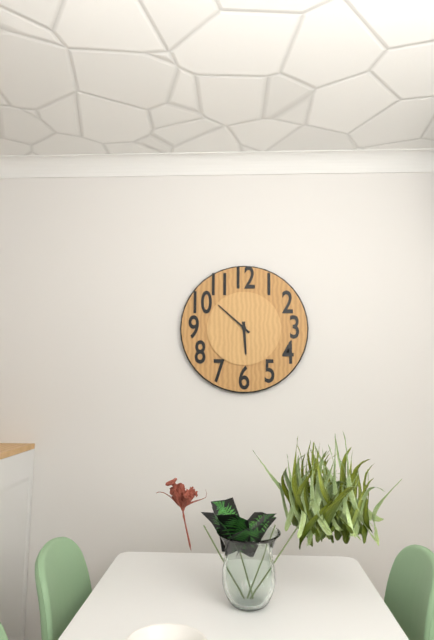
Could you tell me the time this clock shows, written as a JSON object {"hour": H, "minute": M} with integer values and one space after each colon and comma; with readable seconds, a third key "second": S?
{"hour": 5, "minute": 52}
